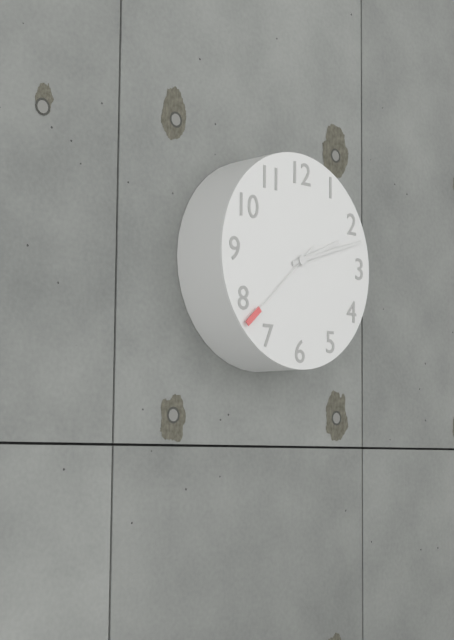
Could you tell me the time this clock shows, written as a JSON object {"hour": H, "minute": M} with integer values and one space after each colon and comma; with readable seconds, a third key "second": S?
{"hour": 2, "minute": 12, "second": 38}
